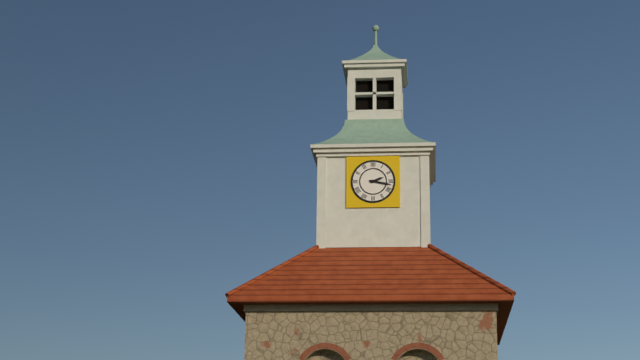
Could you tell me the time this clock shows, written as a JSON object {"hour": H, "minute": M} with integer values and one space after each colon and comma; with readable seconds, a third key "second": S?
{"hour": 2, "minute": 17}
